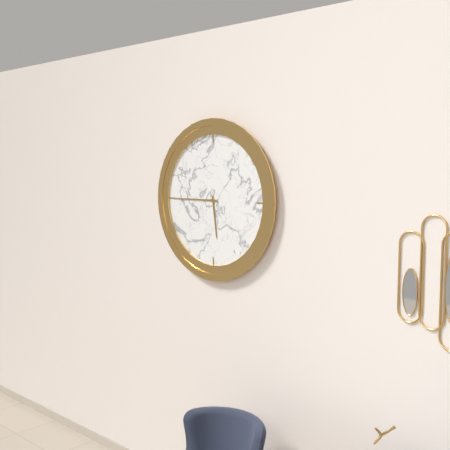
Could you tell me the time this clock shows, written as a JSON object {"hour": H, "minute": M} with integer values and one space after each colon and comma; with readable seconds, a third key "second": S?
{"hour": 5, "minute": 45}
